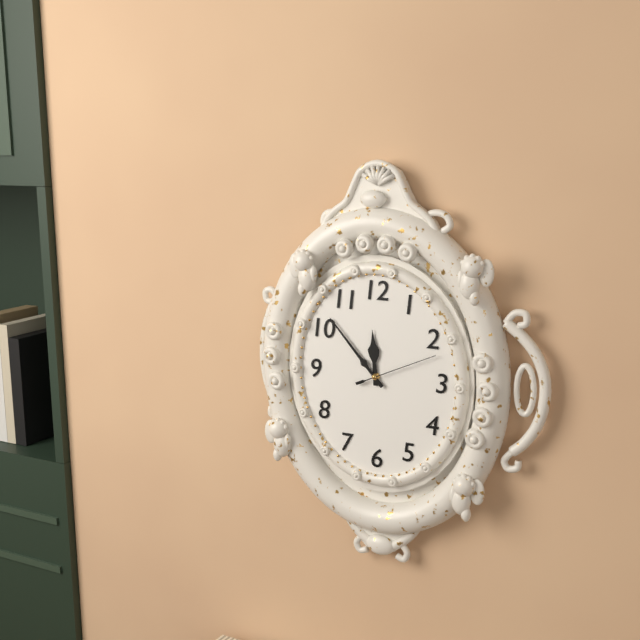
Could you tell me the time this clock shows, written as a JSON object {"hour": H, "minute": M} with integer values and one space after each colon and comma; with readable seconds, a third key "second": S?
{"hour": 11, "minute": 53, "second": 11}
